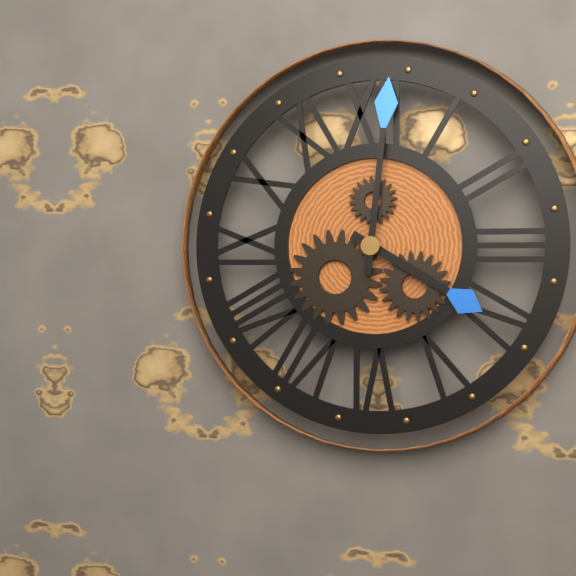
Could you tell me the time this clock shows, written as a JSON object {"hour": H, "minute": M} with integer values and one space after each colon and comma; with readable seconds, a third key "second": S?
{"hour": 4, "minute": 1}
